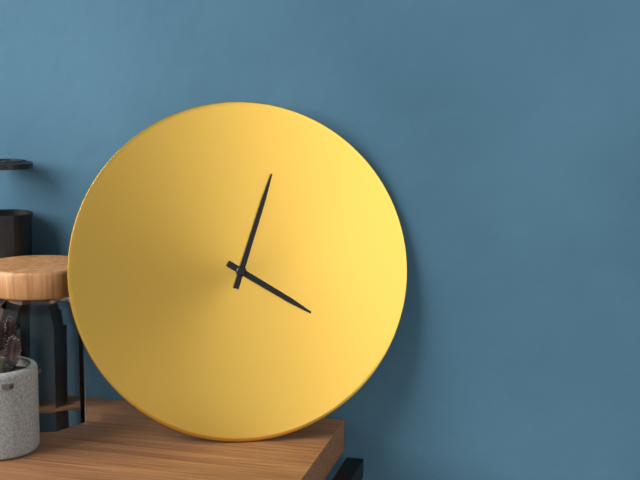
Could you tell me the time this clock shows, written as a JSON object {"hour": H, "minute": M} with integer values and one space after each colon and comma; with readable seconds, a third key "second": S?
{"hour": 4, "minute": 3}
